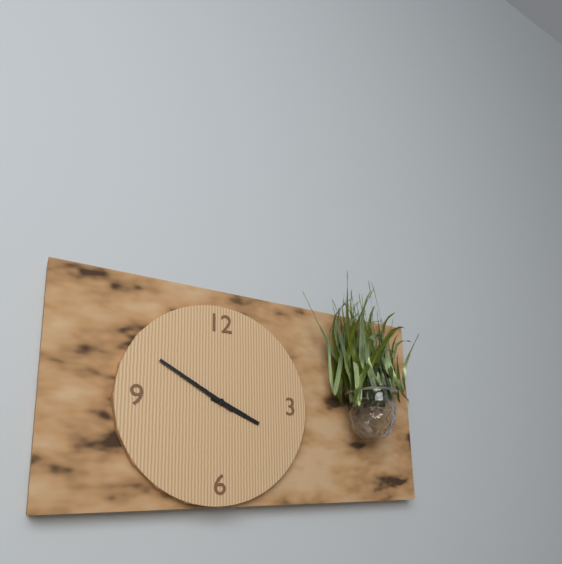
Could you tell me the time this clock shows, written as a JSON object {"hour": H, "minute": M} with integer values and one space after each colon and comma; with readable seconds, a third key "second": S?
{"hour": 3, "minute": 50}
